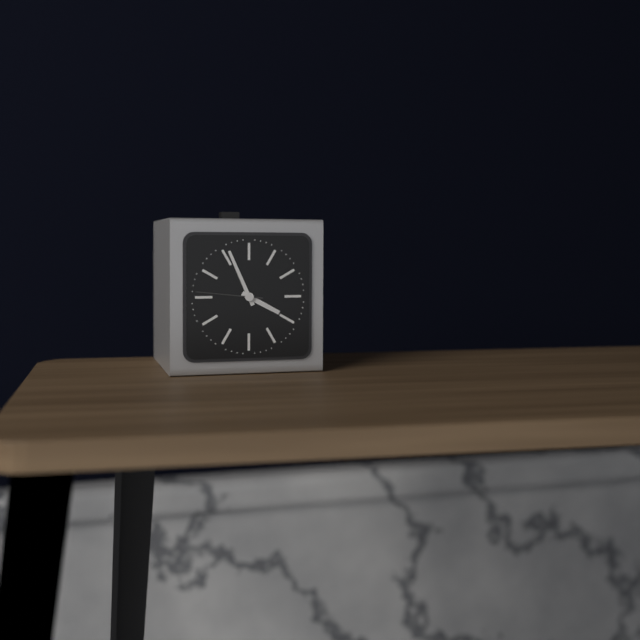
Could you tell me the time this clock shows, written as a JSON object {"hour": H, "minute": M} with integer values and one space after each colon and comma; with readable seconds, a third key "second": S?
{"hour": 3, "minute": 56, "second": 46}
